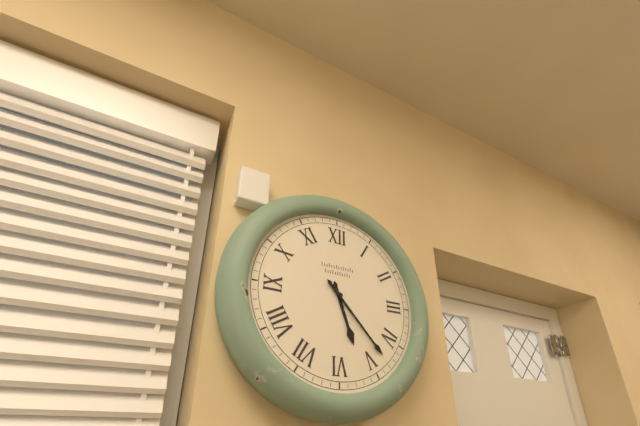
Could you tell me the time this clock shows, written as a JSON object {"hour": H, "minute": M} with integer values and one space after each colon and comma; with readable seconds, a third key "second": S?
{"hour": 5, "minute": 23}
